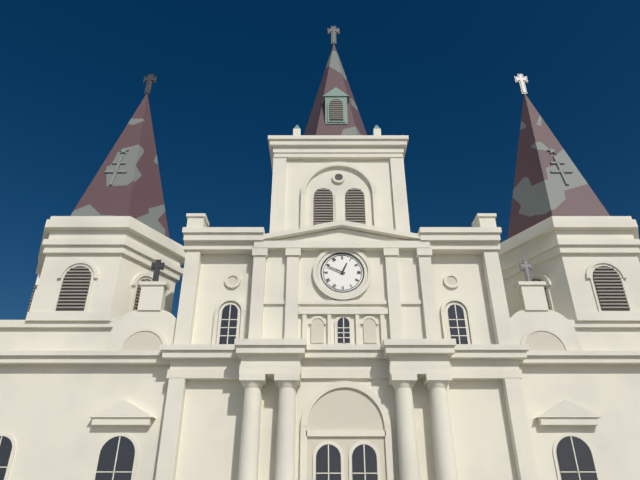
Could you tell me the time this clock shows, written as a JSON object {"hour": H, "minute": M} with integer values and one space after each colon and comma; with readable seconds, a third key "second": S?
{"hour": 12, "minute": 49}
